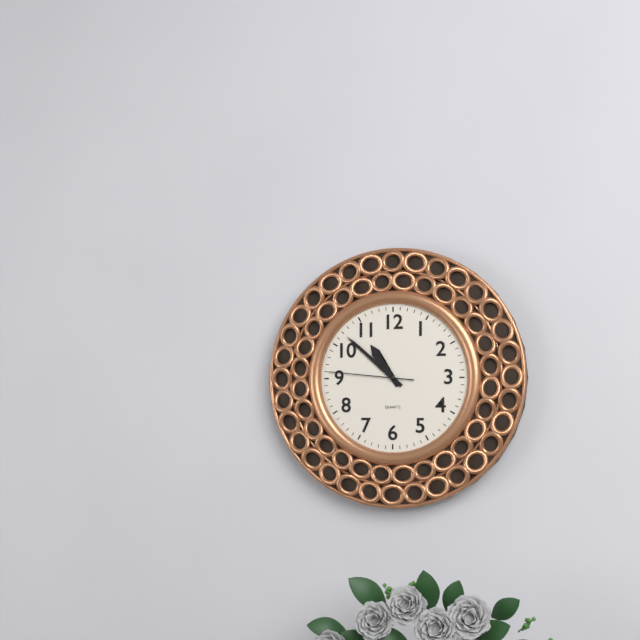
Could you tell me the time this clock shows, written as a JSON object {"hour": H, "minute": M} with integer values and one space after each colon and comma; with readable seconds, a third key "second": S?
{"hour": 10, "minute": 52, "second": 46}
